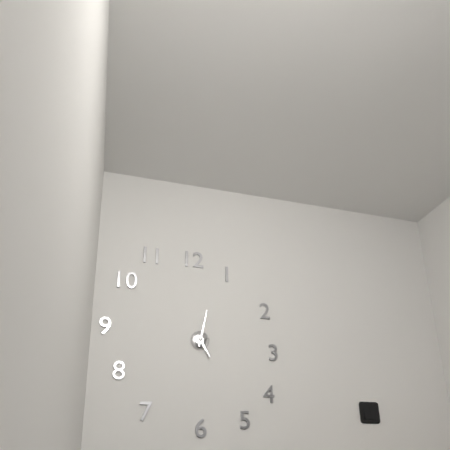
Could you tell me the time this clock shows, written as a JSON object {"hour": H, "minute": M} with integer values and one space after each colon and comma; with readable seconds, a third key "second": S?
{"hour": 5, "minute": 2}
